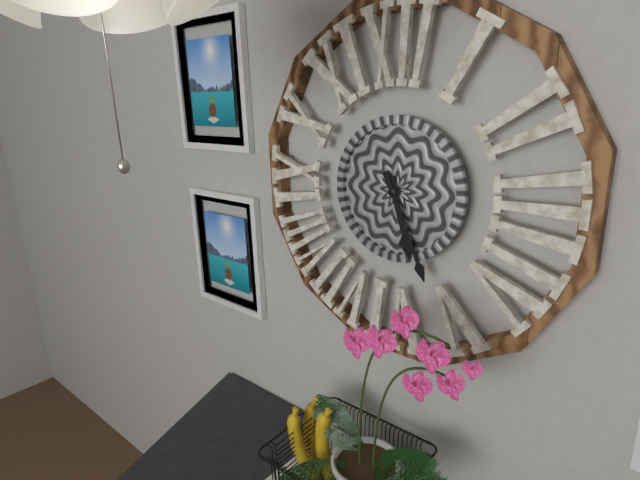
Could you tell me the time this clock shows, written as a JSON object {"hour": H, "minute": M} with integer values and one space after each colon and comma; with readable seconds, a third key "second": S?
{"hour": 5, "minute": 26}
